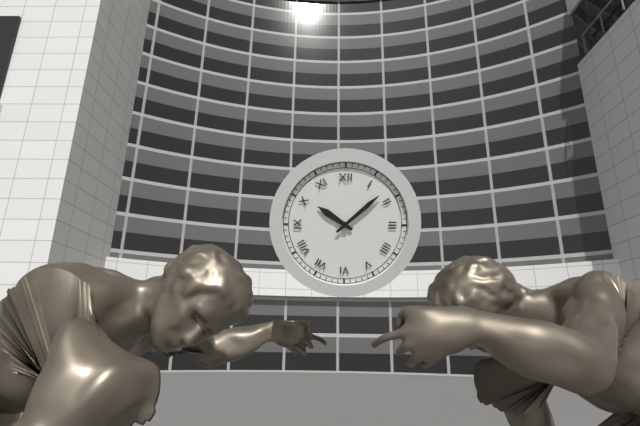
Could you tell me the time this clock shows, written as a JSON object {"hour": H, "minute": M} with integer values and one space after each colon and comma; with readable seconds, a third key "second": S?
{"hour": 10, "minute": 8}
